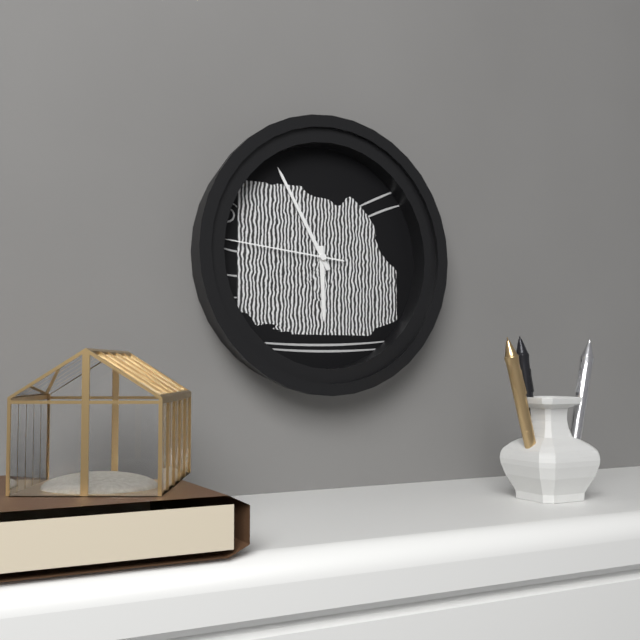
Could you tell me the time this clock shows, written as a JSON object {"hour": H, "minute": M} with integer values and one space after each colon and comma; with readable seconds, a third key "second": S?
{"hour": 5, "minute": 55, "second": 46}
